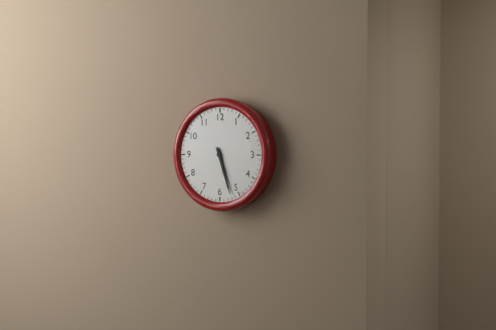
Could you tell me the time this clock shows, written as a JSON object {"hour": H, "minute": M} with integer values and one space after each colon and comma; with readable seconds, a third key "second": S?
{"hour": 5, "minute": 27}
